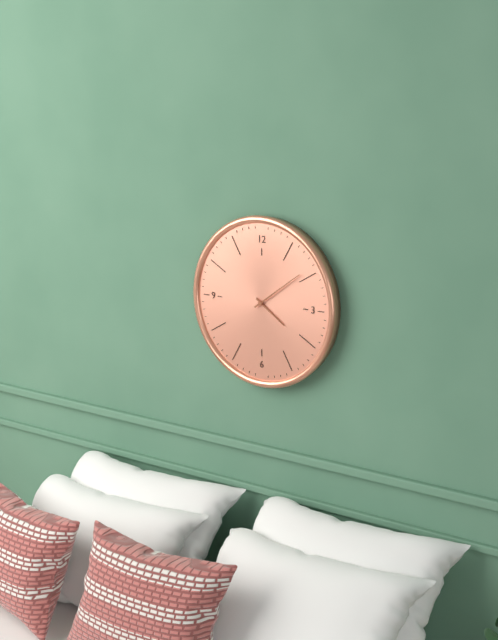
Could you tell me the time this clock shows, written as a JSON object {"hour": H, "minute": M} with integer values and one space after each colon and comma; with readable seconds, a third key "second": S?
{"hour": 4, "minute": 9}
